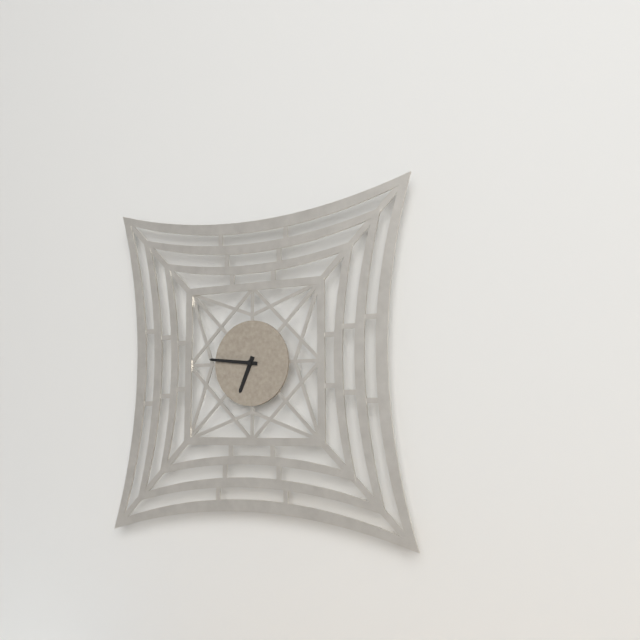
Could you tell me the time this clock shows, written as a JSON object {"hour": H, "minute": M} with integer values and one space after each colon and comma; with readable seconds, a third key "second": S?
{"hour": 6, "minute": 46}
